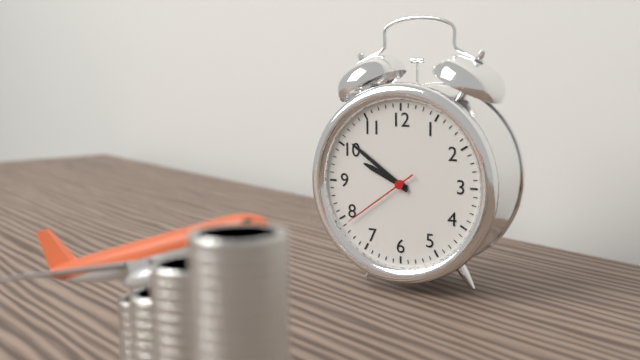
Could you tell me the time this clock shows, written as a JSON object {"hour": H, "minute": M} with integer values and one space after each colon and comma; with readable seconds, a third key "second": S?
{"hour": 9, "minute": 51, "second": 39}
